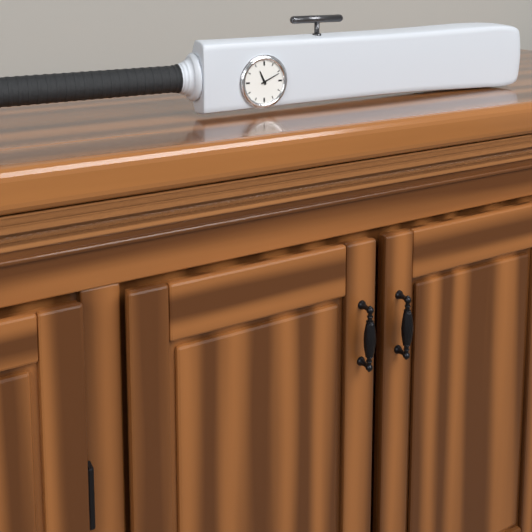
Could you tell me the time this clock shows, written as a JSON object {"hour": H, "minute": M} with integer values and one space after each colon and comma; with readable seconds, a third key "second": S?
{"hour": 11, "minute": 11}
